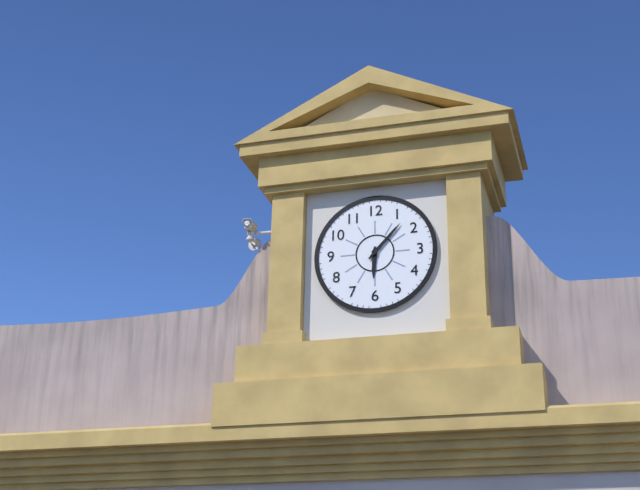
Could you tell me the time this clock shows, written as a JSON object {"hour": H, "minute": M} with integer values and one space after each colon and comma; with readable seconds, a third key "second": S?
{"hour": 6, "minute": 7}
